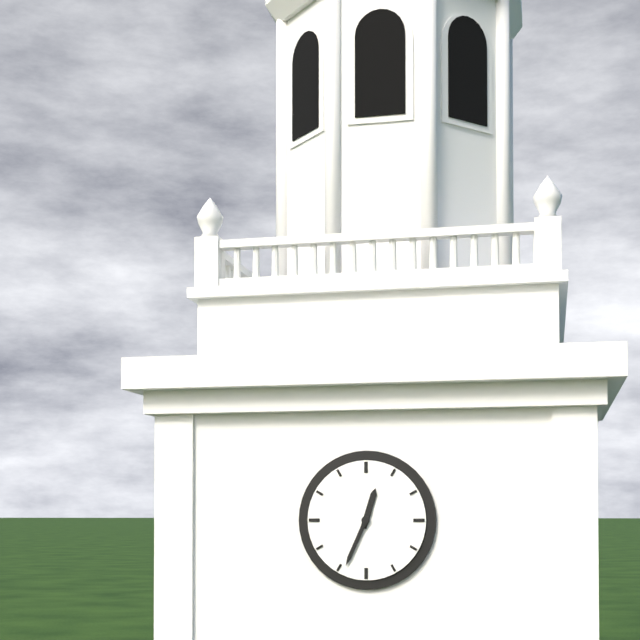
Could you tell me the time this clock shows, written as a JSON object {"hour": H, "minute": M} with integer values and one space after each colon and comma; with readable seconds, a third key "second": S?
{"hour": 12, "minute": 34}
